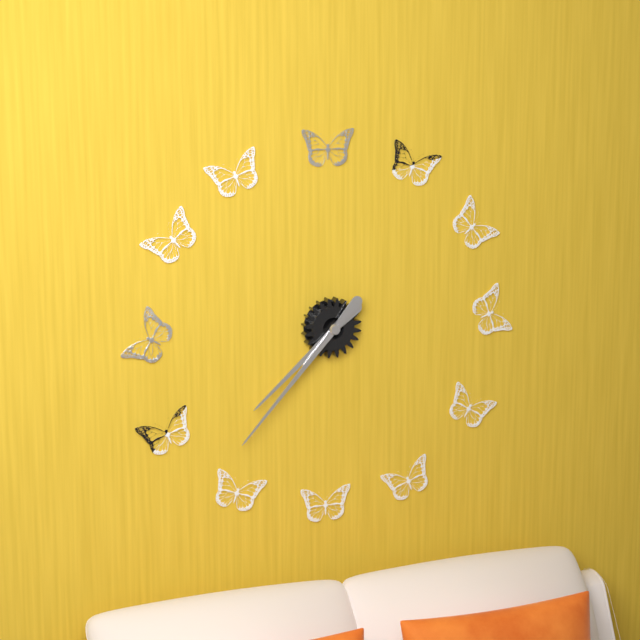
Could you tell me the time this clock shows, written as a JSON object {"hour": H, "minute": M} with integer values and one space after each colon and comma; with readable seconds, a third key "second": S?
{"hour": 7, "minute": 37}
